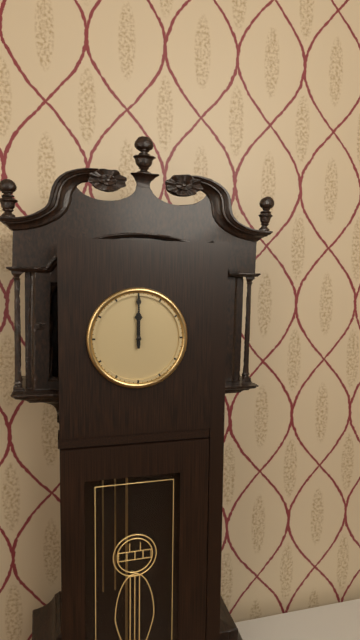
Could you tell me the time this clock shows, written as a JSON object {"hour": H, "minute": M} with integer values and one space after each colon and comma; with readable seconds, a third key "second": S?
{"hour": 12, "minute": 0}
